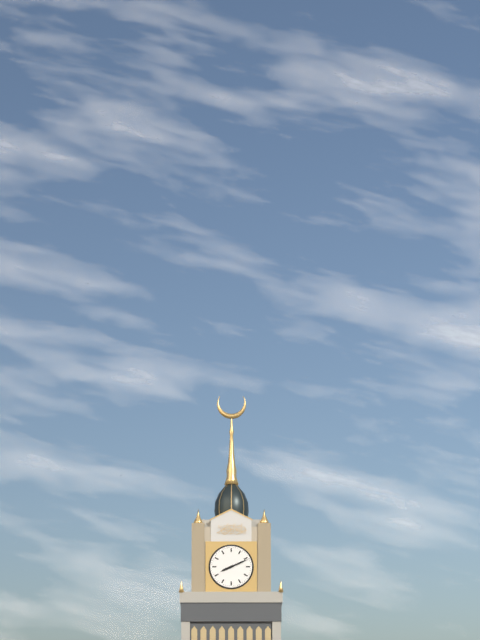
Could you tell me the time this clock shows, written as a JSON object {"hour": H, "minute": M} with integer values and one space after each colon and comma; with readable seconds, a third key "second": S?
{"hour": 8, "minute": 11}
